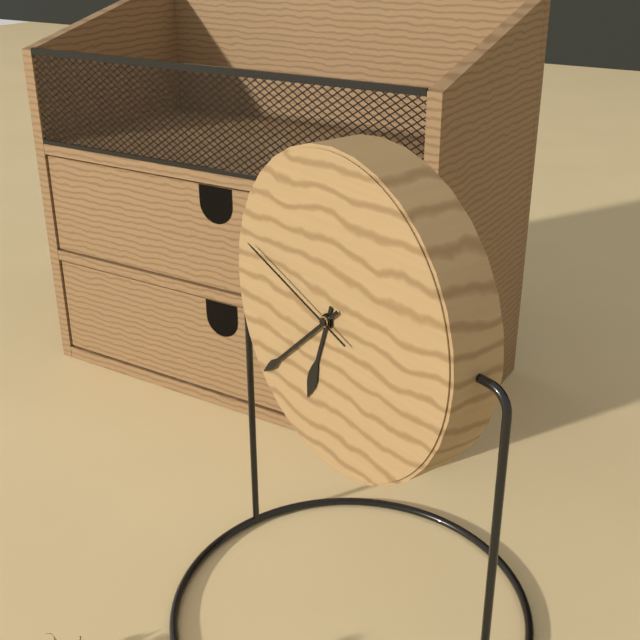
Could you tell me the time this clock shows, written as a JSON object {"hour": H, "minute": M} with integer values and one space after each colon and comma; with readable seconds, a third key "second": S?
{"hour": 6, "minute": 38, "second": 48}
